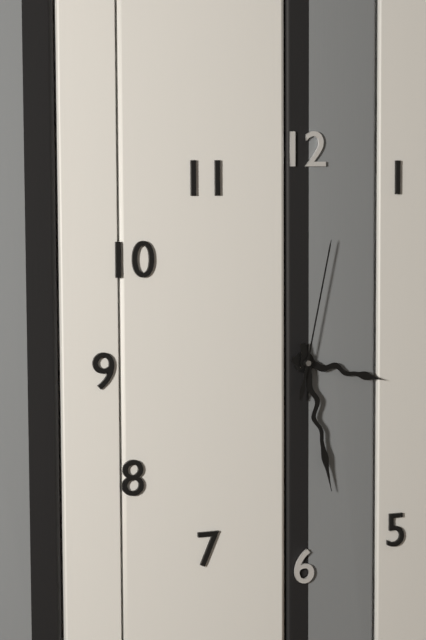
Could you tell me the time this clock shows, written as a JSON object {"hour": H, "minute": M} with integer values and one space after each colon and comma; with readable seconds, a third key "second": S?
{"hour": 3, "minute": 28, "second": 2}
